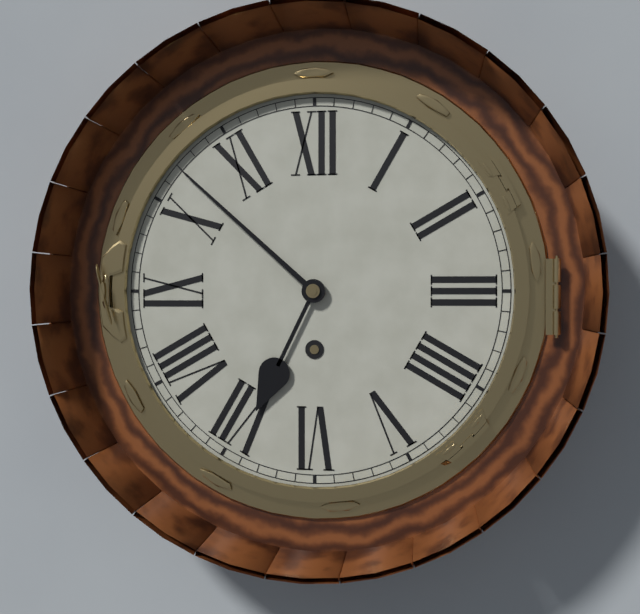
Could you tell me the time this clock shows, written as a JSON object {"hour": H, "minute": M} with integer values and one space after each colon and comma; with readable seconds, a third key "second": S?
{"hour": 6, "minute": 52}
